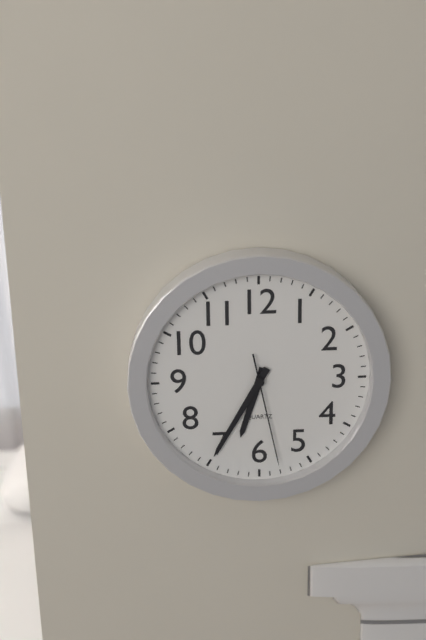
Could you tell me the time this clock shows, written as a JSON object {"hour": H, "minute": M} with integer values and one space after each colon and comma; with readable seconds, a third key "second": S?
{"hour": 6, "minute": 35, "second": 28}
